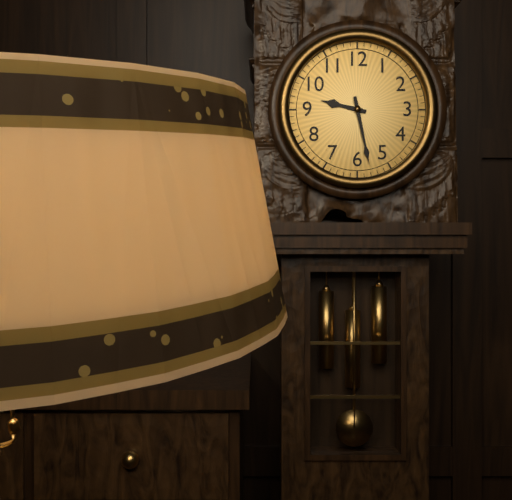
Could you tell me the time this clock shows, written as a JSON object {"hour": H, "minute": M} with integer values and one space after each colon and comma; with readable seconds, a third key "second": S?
{"hour": 9, "minute": 28}
